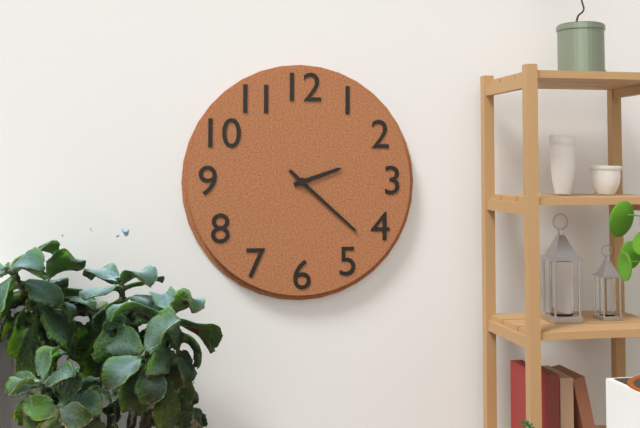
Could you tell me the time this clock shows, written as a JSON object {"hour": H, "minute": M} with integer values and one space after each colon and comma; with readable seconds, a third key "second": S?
{"hour": 2, "minute": 22}
